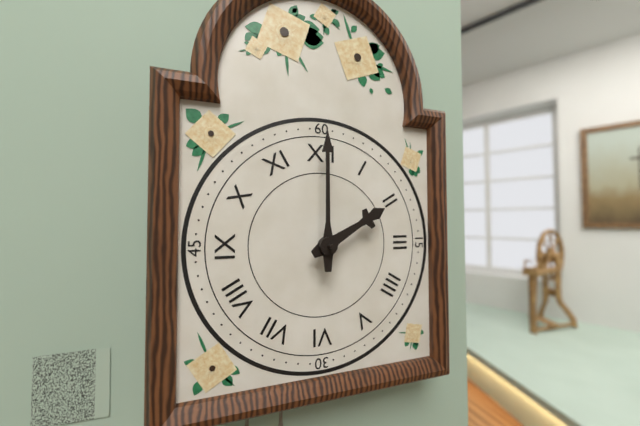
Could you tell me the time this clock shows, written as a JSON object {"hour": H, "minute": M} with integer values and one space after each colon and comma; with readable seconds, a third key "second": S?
{"hour": 2, "minute": 0}
